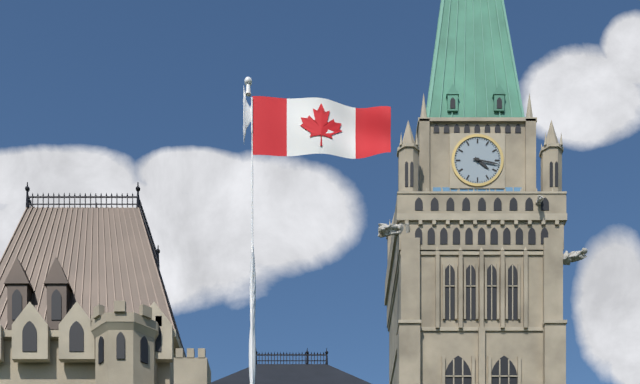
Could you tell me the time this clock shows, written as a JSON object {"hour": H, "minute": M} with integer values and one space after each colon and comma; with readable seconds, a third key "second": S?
{"hour": 4, "minute": 17}
